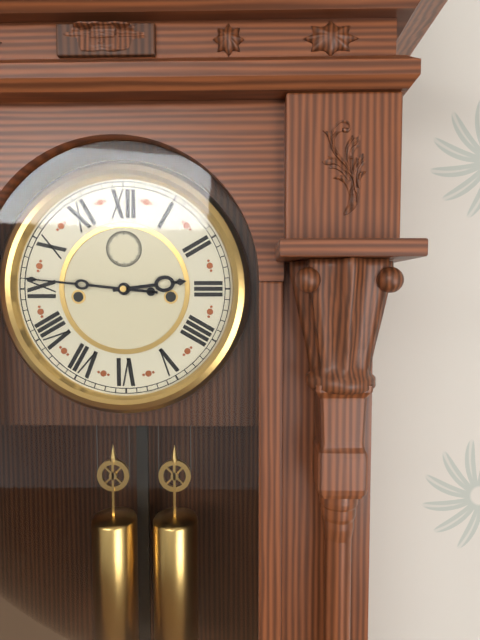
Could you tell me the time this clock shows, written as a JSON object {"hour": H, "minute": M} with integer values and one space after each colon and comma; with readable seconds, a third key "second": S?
{"hour": 2, "minute": 46}
